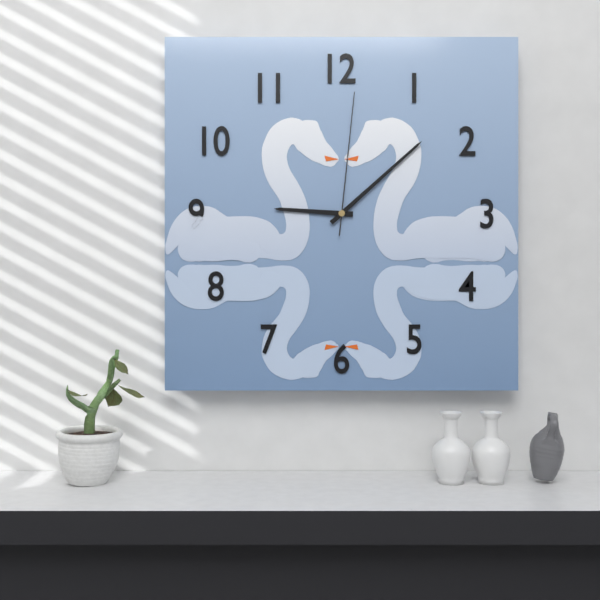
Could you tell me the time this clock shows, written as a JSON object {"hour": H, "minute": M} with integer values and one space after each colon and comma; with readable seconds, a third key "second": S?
{"hour": 9, "minute": 8, "second": 1}
